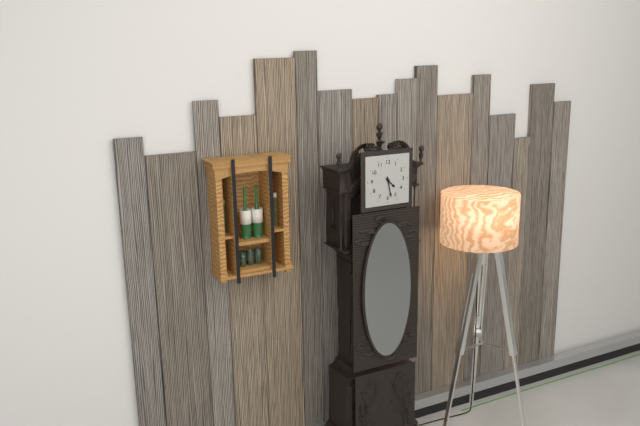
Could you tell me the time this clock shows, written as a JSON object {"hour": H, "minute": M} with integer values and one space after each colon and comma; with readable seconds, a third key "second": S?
{"hour": 4, "minute": 28}
